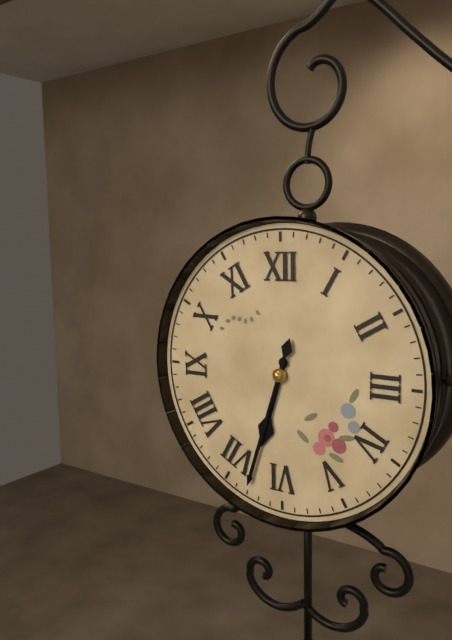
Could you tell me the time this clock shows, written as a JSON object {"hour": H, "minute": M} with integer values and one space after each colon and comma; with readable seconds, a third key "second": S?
{"hour": 6, "minute": 33}
